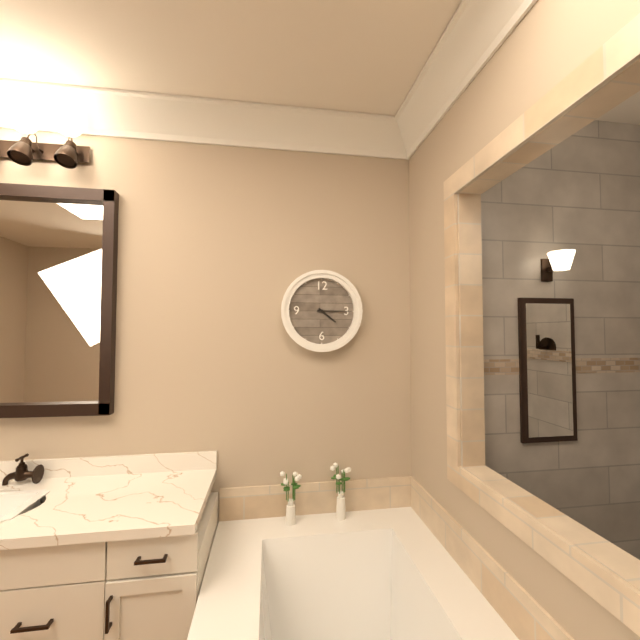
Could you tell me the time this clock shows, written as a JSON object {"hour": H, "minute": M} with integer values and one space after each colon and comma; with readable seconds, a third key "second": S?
{"hour": 4, "minute": 15}
